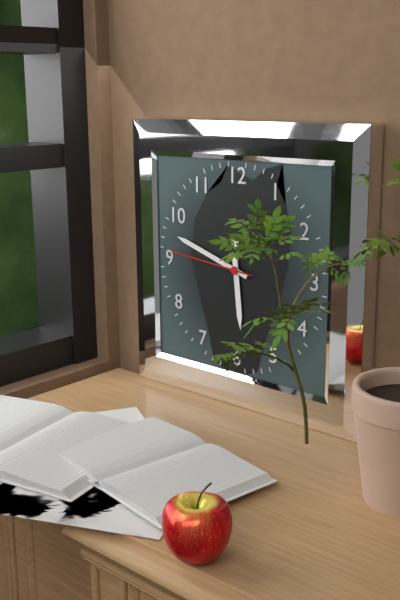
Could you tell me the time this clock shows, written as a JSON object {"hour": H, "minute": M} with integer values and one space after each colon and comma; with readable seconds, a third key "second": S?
{"hour": 5, "minute": 48, "second": 46}
